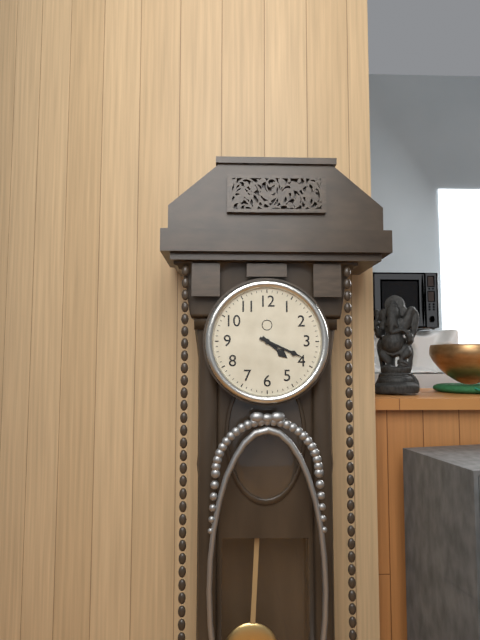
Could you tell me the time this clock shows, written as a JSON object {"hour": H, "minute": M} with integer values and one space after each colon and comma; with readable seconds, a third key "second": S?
{"hour": 4, "minute": 19}
